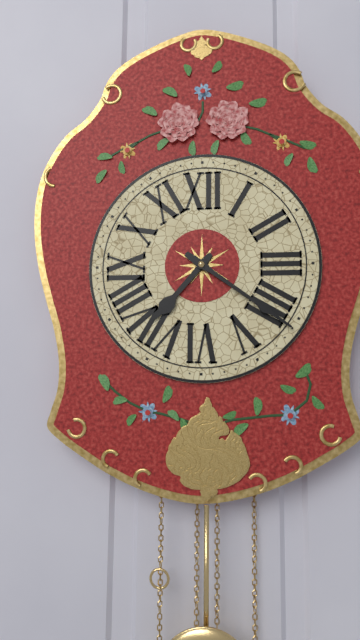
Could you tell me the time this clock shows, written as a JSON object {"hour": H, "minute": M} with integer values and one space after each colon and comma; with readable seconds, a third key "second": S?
{"hour": 7, "minute": 21}
